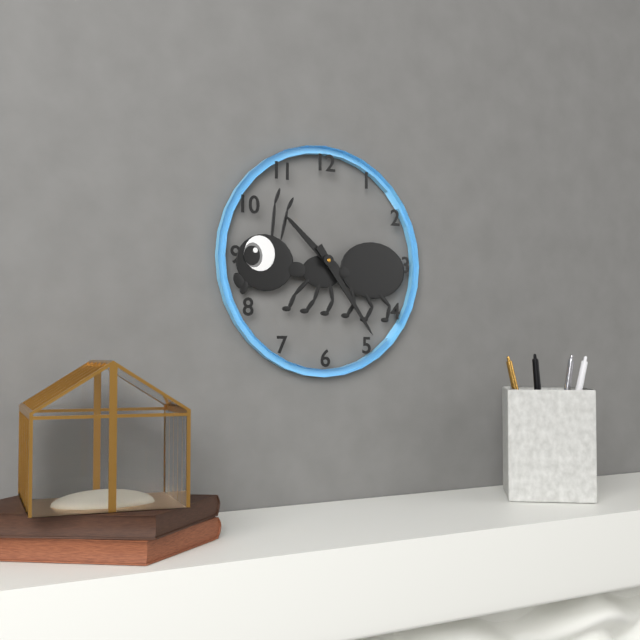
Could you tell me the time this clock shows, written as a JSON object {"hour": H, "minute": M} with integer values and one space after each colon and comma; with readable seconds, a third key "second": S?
{"hour": 10, "minute": 24}
